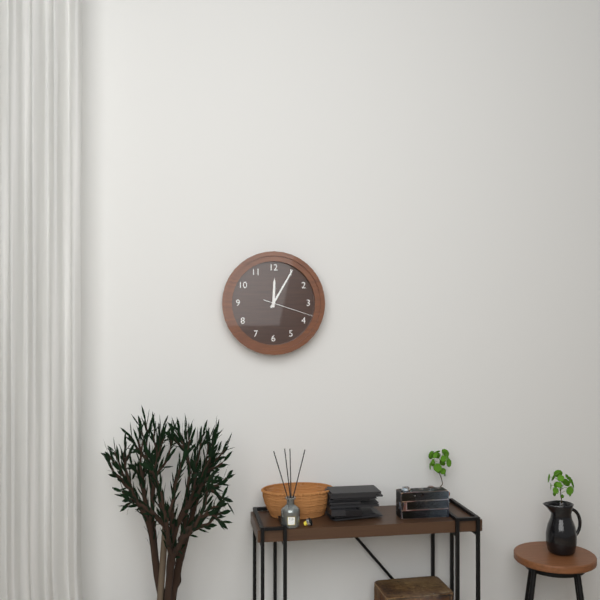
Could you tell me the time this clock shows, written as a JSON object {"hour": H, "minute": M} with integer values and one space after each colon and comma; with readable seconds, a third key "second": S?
{"hour": 12, "minute": 5, "second": 18}
